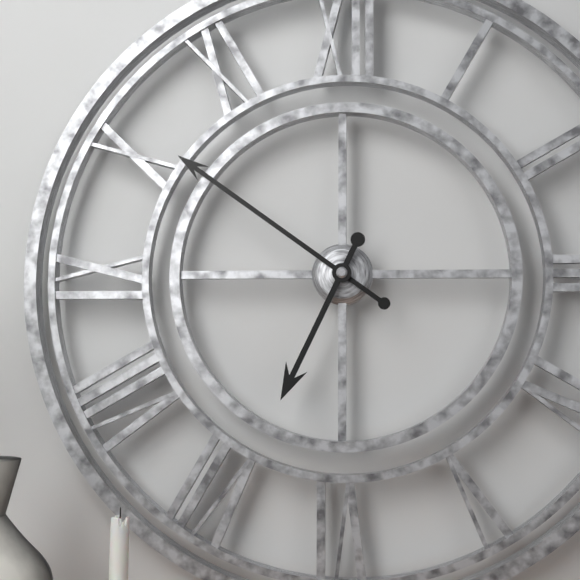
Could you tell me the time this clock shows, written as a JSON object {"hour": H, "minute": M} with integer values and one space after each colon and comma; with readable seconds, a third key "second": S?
{"hour": 6, "minute": 51}
